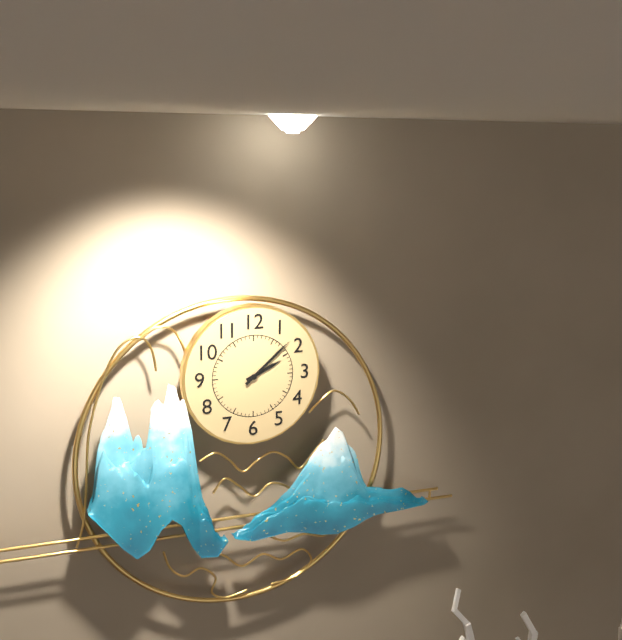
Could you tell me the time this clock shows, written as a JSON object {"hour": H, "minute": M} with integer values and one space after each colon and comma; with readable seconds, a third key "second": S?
{"hour": 2, "minute": 8}
